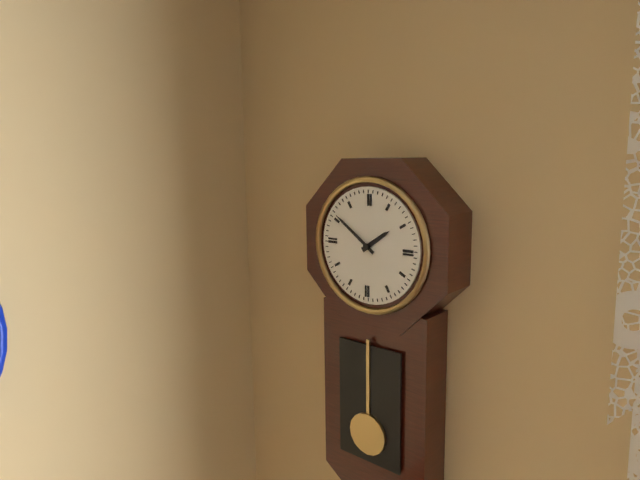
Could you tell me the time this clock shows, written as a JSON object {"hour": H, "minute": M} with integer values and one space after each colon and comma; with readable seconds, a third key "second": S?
{"hour": 1, "minute": 51}
